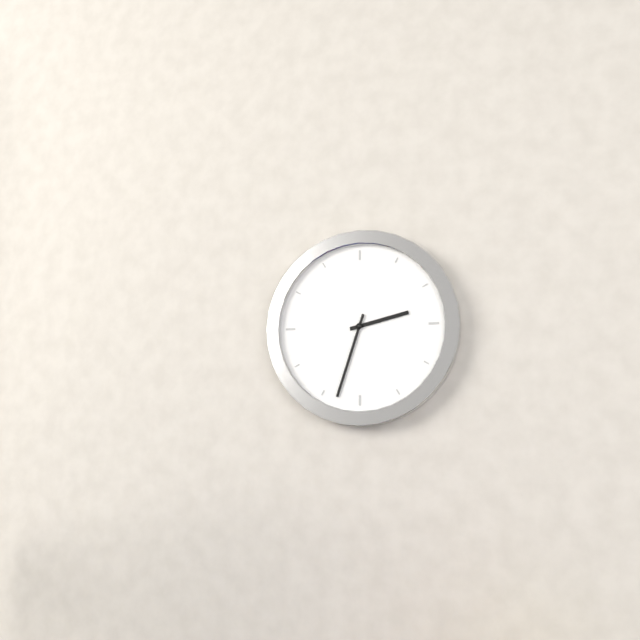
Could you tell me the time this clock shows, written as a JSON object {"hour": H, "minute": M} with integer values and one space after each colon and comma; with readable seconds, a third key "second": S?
{"hour": 2, "minute": 33}
